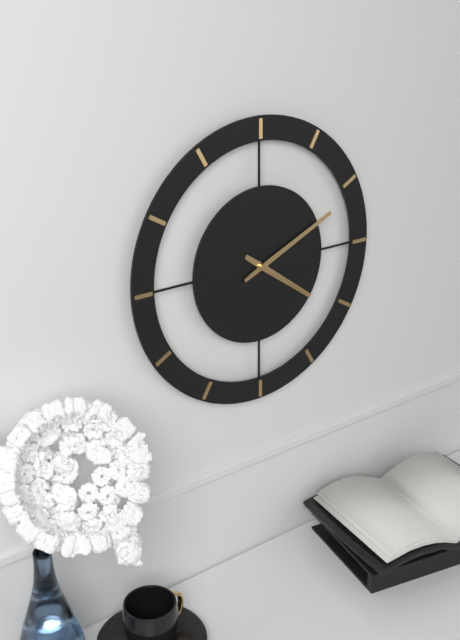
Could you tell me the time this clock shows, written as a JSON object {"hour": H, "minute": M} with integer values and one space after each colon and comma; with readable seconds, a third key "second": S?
{"hour": 4, "minute": 11}
